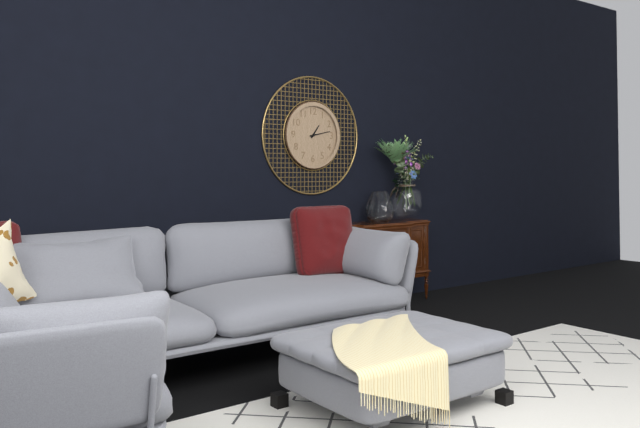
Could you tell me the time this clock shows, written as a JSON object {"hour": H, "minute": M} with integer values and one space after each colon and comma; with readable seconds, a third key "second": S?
{"hour": 1, "minute": 13}
